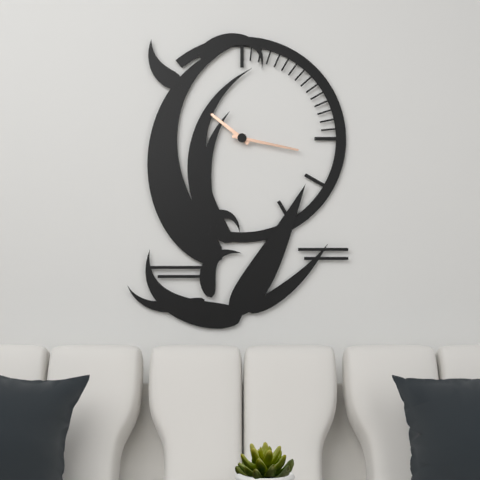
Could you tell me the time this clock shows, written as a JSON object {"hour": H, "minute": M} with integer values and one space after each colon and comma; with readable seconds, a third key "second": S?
{"hour": 10, "minute": 17}
